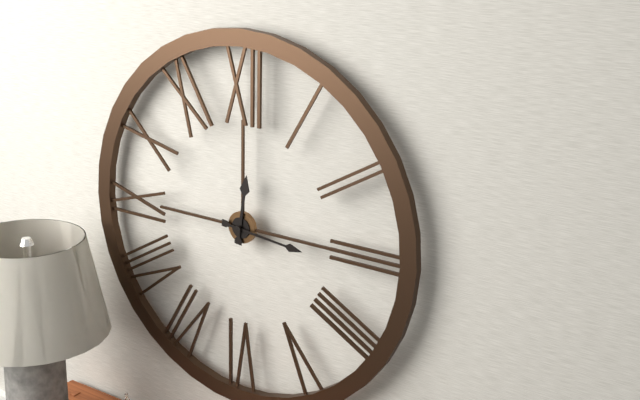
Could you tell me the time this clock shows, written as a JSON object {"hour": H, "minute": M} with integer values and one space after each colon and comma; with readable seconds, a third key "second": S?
{"hour": 12, "minute": 16}
